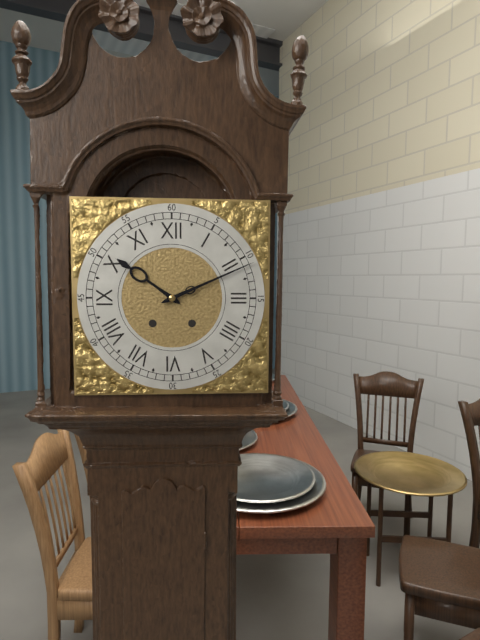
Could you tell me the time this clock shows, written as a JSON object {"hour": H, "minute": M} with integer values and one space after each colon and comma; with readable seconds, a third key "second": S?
{"hour": 10, "minute": 11}
